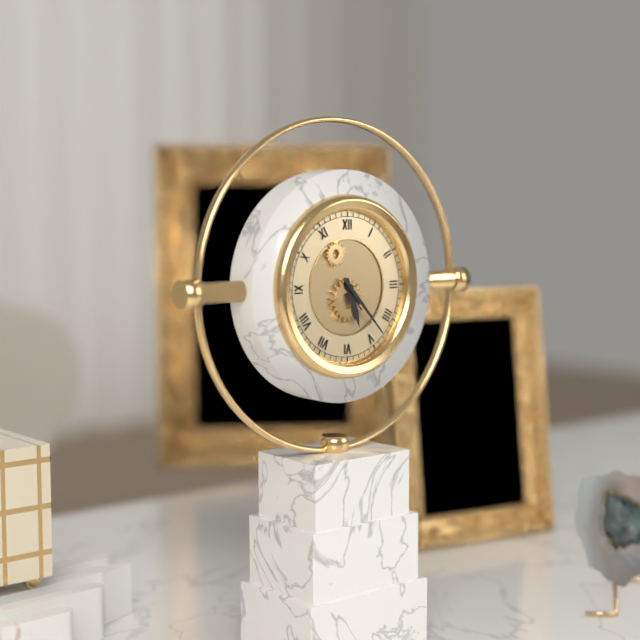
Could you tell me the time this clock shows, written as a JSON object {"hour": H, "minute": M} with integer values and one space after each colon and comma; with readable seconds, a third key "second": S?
{"hour": 5, "minute": 23}
